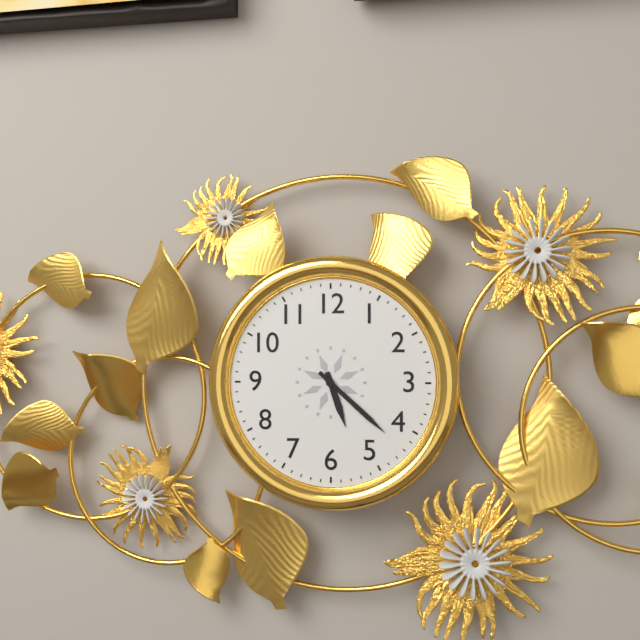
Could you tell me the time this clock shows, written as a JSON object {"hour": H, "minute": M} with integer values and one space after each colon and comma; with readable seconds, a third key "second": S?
{"hour": 5, "minute": 22}
